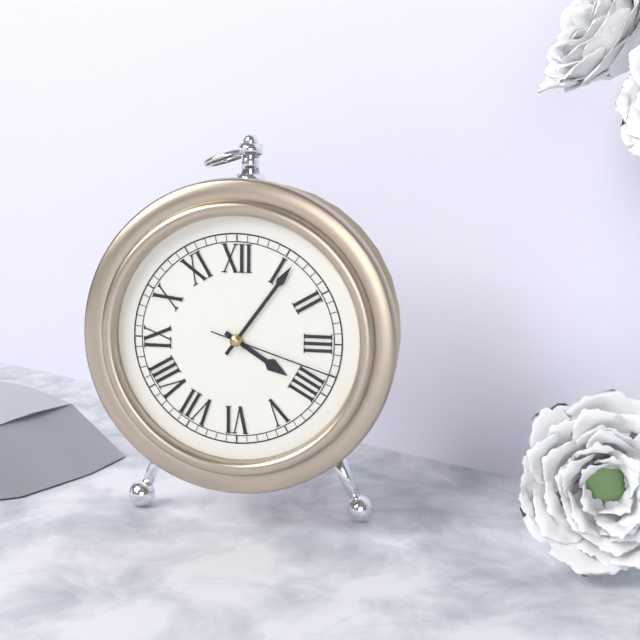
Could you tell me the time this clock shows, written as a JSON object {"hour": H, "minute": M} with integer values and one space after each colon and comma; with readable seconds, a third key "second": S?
{"hour": 4, "minute": 6, "second": 18}
